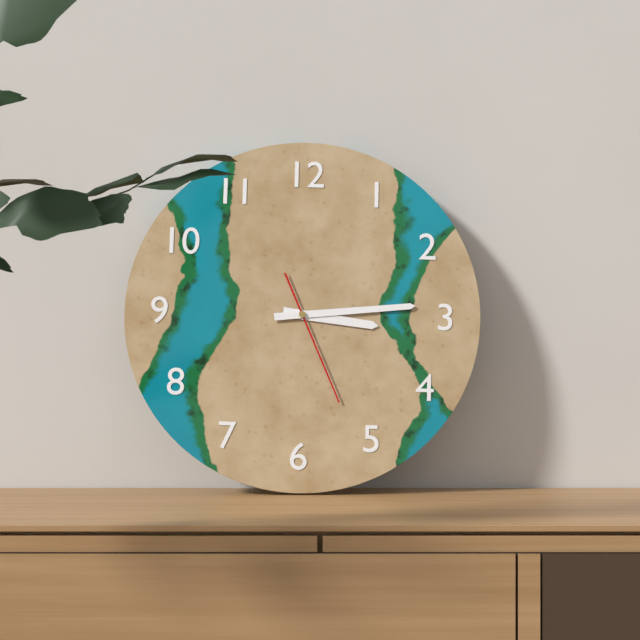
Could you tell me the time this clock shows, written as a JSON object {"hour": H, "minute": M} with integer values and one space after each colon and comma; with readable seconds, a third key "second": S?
{"hour": 3, "minute": 14, "second": 26}
